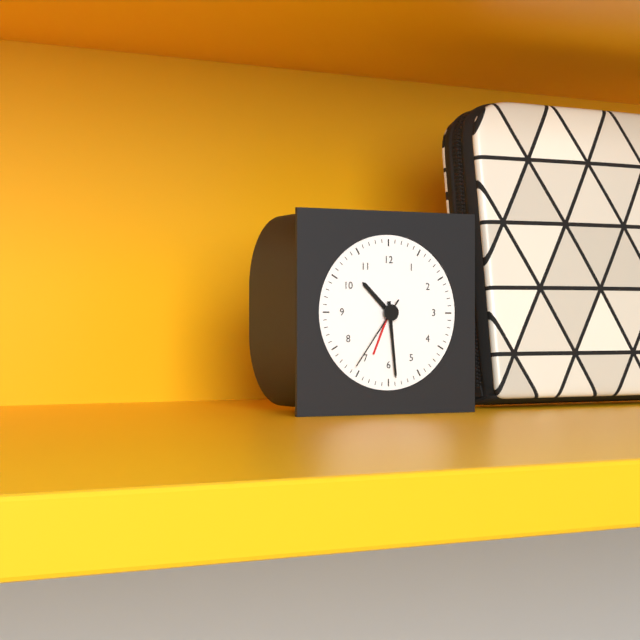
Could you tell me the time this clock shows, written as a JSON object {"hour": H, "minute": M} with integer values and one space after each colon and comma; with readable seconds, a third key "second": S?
{"hour": 10, "minute": 29, "second": 36}
